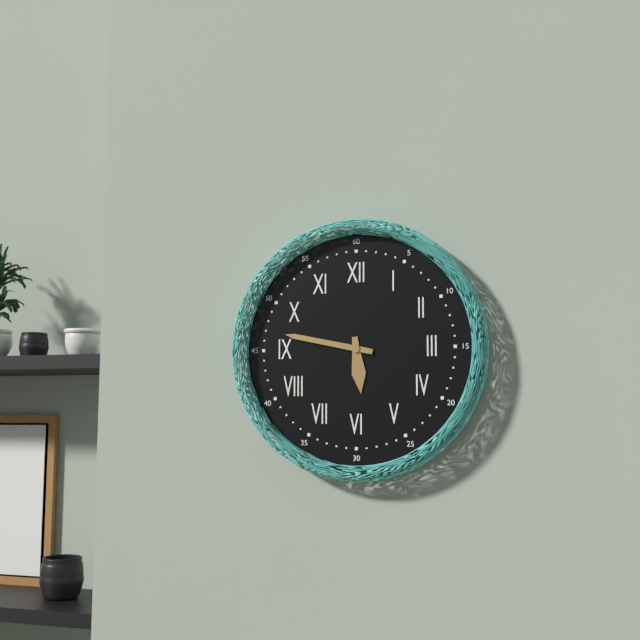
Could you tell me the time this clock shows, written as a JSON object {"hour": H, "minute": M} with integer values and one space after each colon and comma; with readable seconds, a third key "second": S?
{"hour": 5, "minute": 47}
